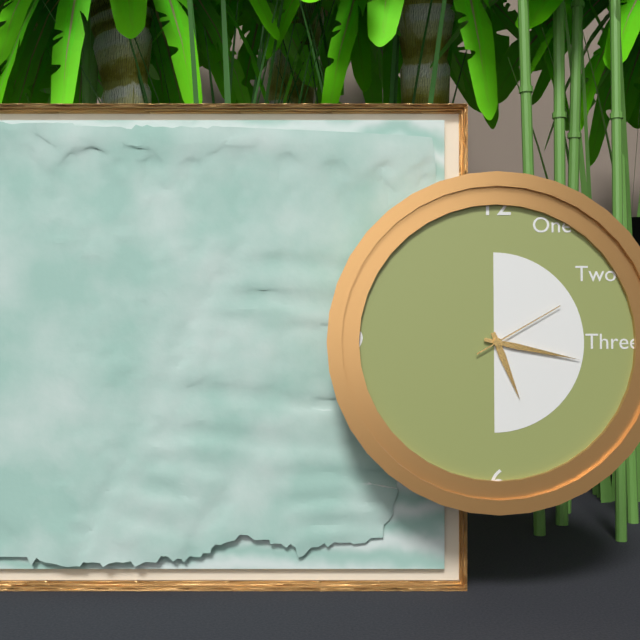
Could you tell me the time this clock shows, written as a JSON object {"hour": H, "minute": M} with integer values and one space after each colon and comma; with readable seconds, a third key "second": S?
{"hour": 5, "minute": 17, "second": 10}
